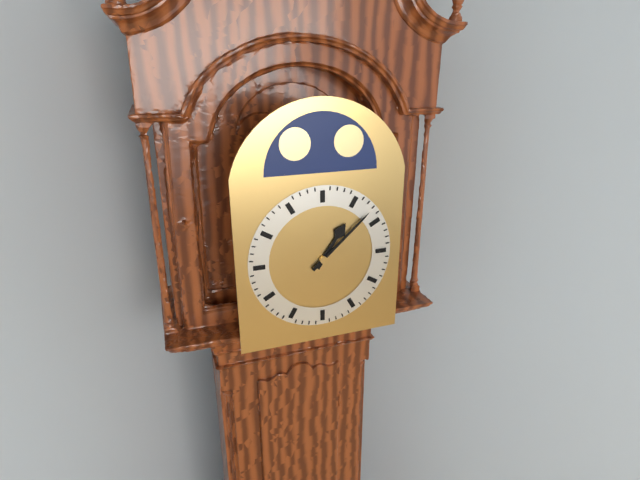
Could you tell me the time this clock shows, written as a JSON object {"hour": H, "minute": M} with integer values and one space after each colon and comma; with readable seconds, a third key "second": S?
{"hour": 1, "minute": 8}
